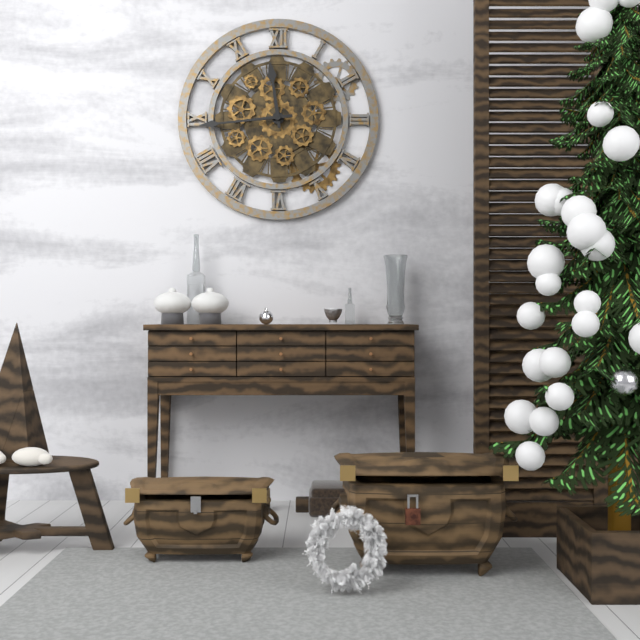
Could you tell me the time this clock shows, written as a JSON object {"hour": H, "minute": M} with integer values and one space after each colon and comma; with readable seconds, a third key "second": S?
{"hour": 11, "minute": 44}
